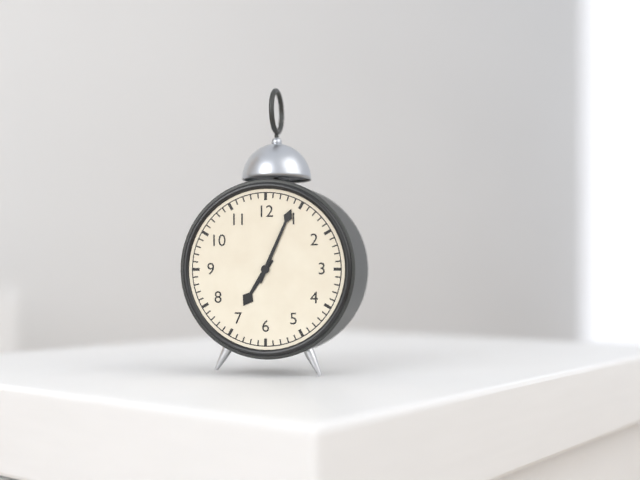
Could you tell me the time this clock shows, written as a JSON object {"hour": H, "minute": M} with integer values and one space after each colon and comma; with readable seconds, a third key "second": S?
{"hour": 7, "minute": 4}
